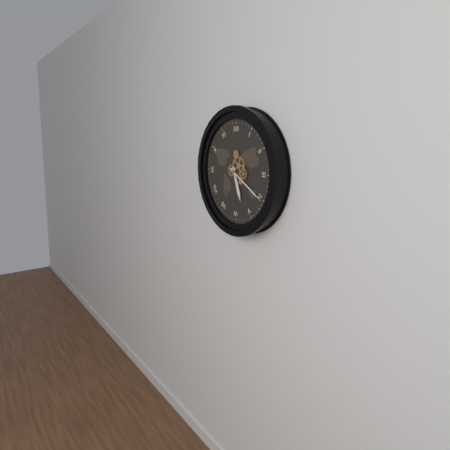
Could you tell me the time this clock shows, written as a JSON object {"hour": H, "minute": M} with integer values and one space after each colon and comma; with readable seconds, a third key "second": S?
{"hour": 5, "minute": 20}
